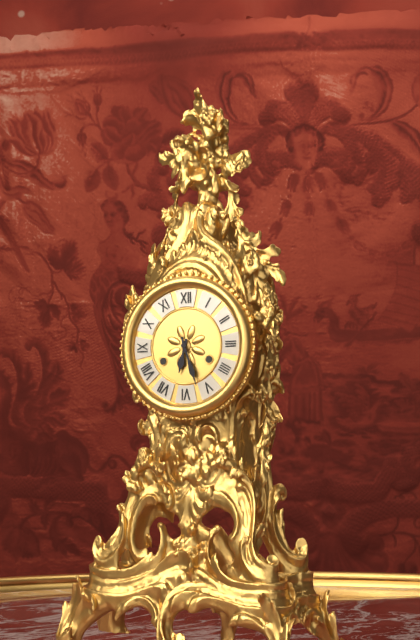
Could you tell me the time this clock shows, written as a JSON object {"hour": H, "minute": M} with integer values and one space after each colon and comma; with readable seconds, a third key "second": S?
{"hour": 6, "minute": 27}
